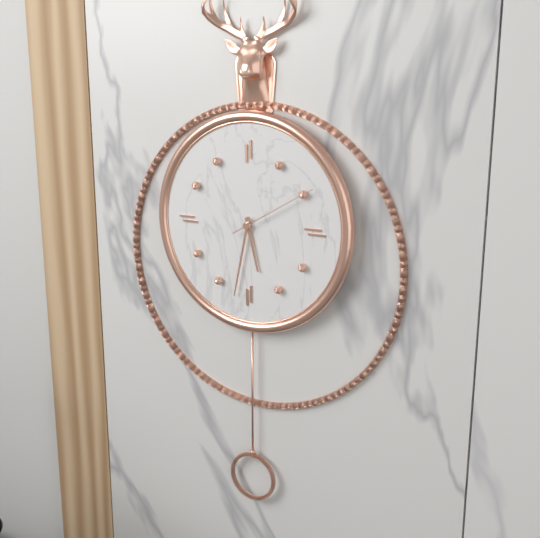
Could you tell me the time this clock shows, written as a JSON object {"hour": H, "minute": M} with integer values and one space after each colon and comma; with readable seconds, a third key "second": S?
{"hour": 5, "minute": 32, "second": 10}
